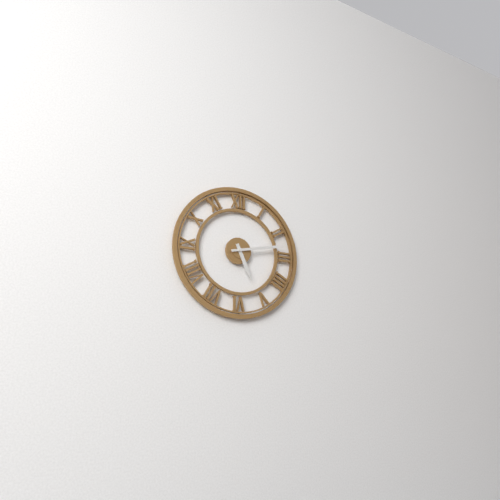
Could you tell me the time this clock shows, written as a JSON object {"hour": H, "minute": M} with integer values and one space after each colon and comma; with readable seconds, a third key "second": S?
{"hour": 5, "minute": 13}
